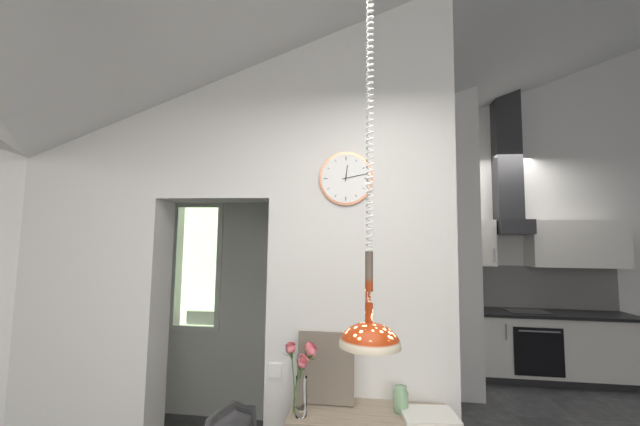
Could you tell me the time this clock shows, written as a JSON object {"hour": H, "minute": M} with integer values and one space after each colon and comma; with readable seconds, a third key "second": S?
{"hour": 12, "minute": 13}
